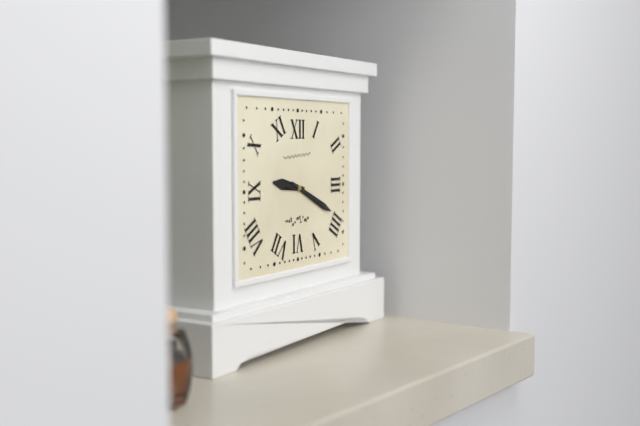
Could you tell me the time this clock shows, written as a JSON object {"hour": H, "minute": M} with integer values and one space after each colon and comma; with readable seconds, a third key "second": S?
{"hour": 9, "minute": 19}
